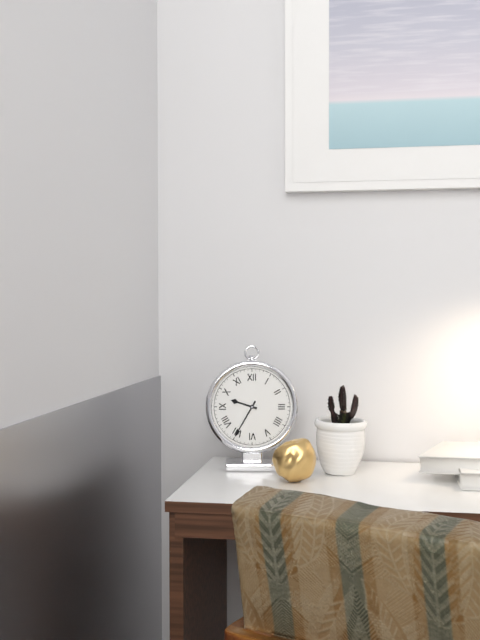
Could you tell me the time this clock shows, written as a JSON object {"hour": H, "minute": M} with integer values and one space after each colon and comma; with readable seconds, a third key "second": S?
{"hour": 9, "minute": 35}
